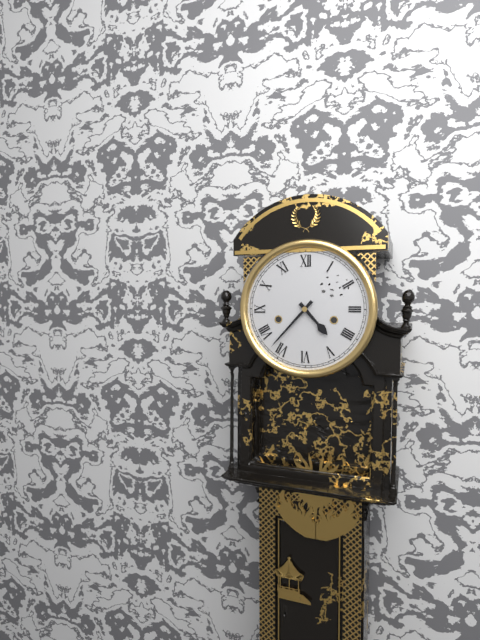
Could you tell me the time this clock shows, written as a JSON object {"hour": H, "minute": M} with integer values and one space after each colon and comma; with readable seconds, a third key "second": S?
{"hour": 4, "minute": 37}
